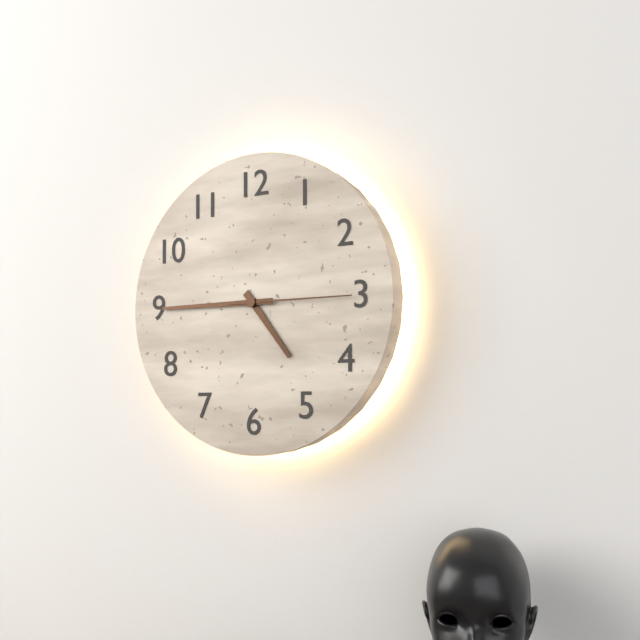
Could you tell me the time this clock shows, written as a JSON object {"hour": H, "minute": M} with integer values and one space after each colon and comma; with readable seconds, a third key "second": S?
{"hour": 4, "minute": 45, "second": 15}
